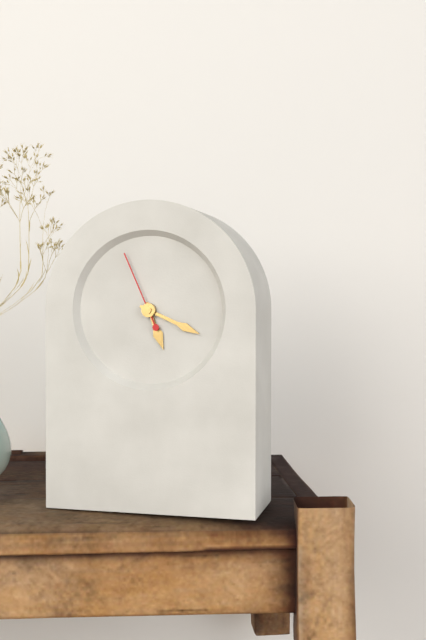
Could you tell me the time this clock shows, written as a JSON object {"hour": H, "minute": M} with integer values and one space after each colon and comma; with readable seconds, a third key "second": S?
{"hour": 5, "minute": 19, "second": 56}
